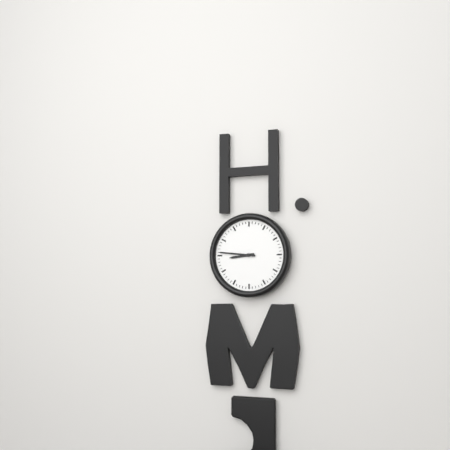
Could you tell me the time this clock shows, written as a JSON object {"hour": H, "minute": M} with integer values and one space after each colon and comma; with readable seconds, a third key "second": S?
{"hour": 8, "minute": 46}
